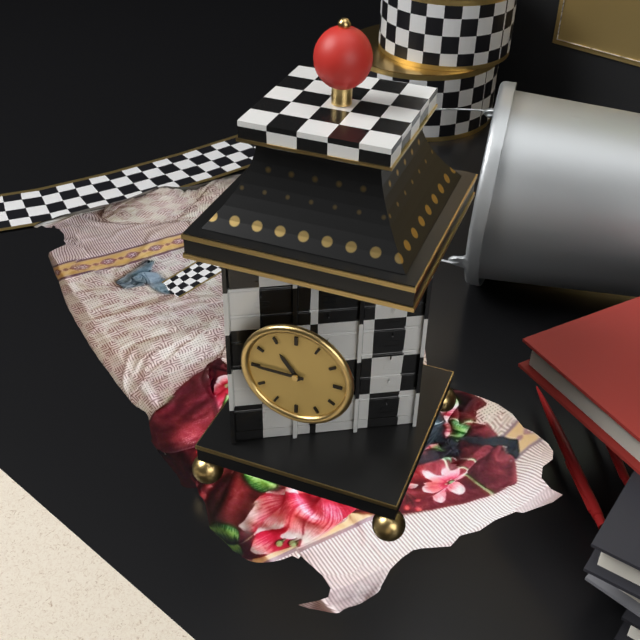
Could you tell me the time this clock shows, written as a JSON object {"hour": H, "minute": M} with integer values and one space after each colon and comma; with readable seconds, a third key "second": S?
{"hour": 10, "minute": 45}
